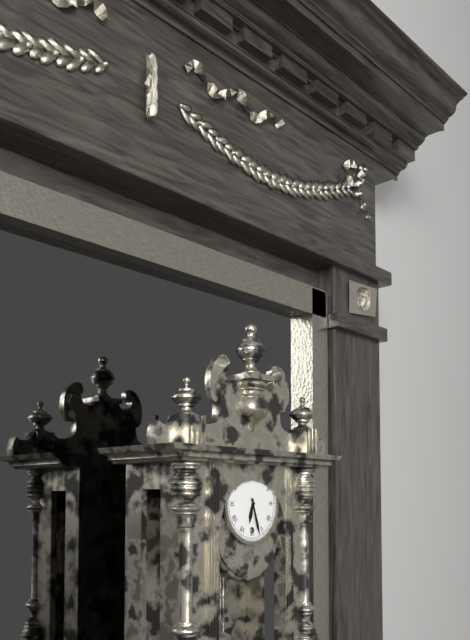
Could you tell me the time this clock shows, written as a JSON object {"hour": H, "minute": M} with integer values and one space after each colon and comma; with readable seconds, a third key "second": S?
{"hour": 6, "minute": 27}
